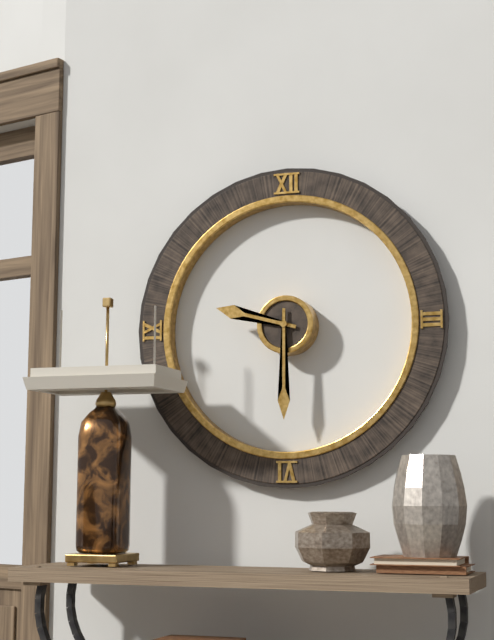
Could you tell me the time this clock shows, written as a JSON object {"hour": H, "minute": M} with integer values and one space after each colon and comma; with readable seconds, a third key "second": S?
{"hour": 9, "minute": 30}
